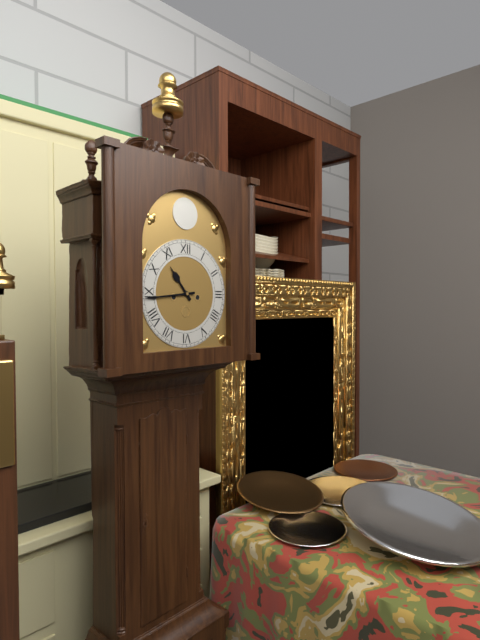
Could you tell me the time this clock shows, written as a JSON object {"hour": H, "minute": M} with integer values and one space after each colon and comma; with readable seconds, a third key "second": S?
{"hour": 10, "minute": 44}
